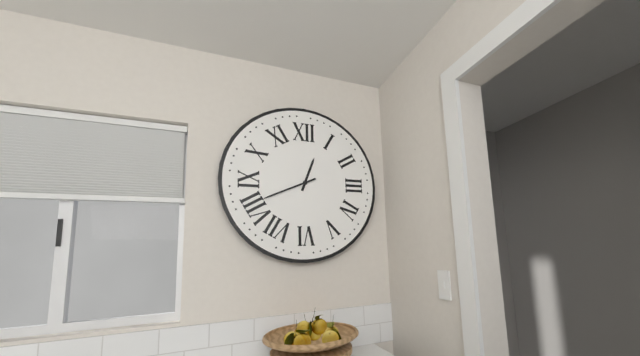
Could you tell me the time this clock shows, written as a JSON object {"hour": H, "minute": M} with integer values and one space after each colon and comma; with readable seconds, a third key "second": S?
{"hour": 12, "minute": 41}
